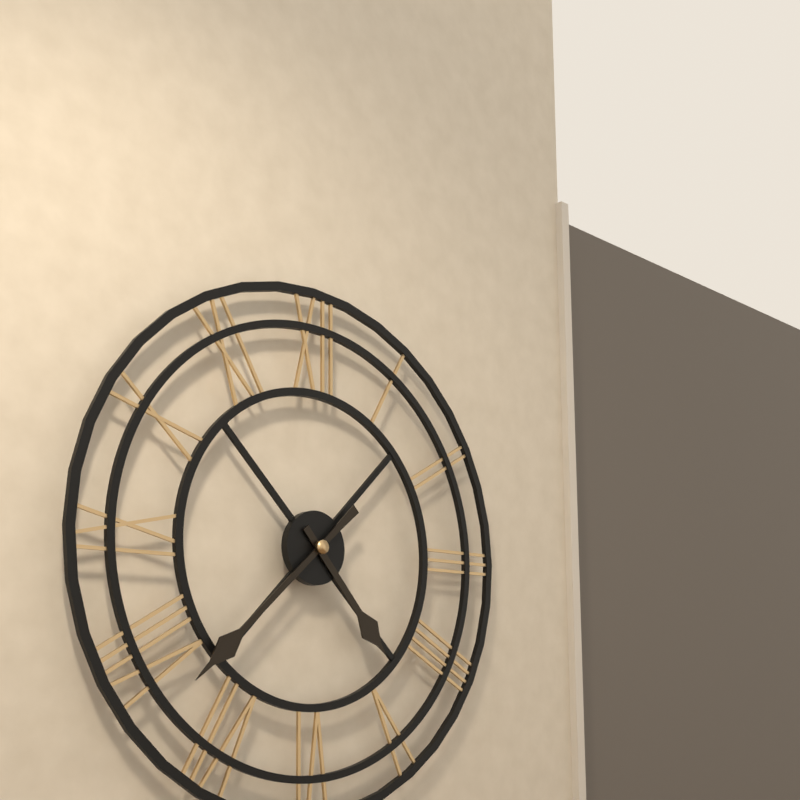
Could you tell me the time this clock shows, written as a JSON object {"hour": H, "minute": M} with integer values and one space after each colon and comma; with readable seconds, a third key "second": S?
{"hour": 4, "minute": 38}
